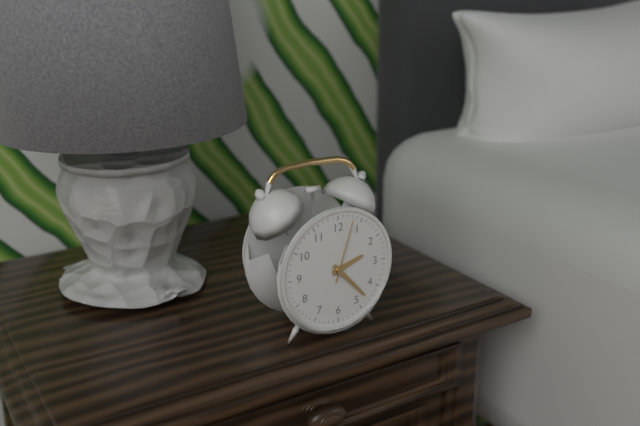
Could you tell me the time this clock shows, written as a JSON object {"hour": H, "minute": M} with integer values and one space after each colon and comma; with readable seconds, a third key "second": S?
{"hour": 2, "minute": 23, "second": 3}
